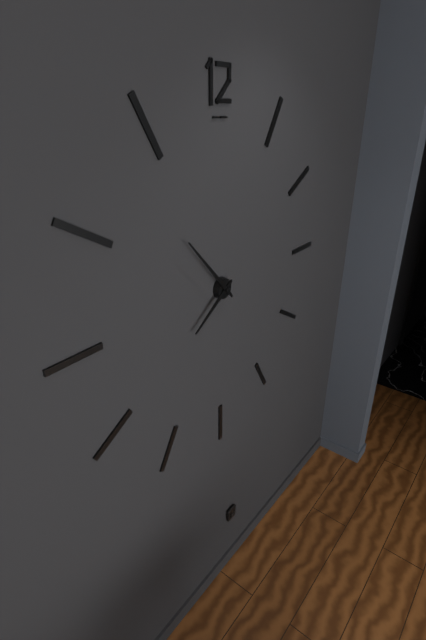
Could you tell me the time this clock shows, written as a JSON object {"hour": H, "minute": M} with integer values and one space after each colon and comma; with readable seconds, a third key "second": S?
{"hour": 7, "minute": 53}
